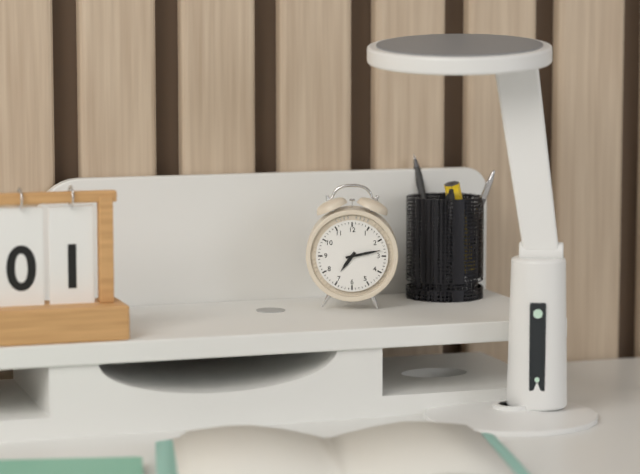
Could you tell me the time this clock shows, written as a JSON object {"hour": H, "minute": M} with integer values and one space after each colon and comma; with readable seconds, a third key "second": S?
{"hour": 7, "minute": 13}
